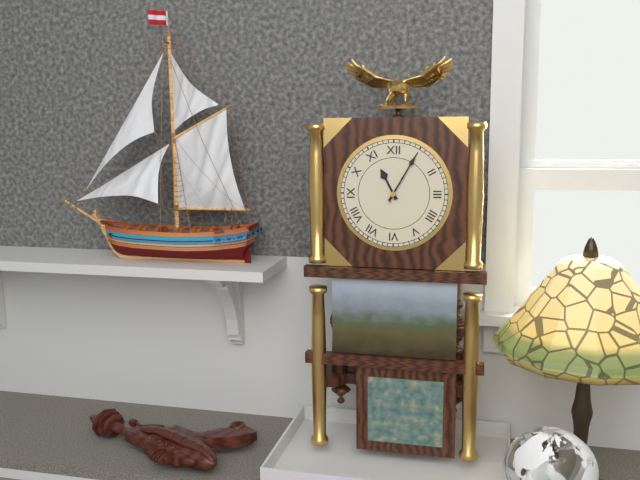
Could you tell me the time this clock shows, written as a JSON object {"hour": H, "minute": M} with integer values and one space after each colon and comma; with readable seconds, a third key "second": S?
{"hour": 11, "minute": 5}
